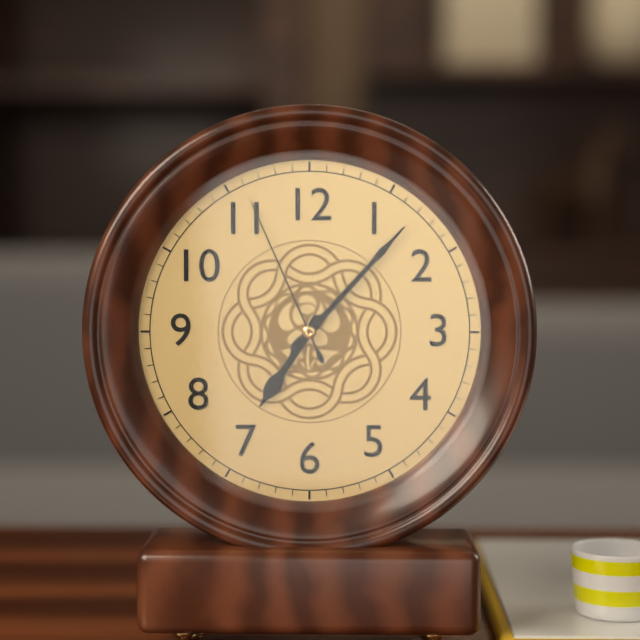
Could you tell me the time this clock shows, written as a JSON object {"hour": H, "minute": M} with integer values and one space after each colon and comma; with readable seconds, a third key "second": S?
{"hour": 7, "minute": 7, "second": 56}
